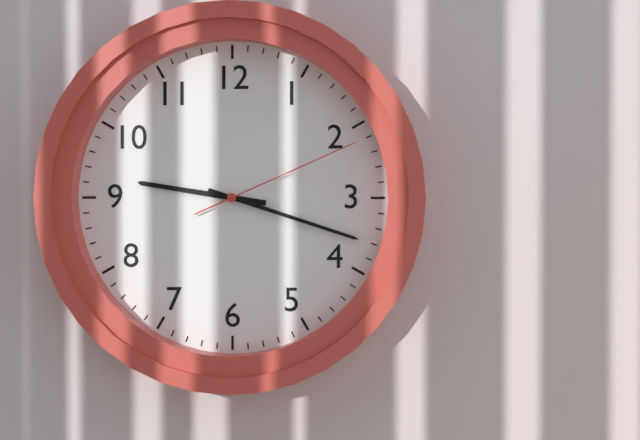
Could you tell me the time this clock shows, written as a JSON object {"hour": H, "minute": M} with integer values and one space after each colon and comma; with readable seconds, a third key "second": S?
{"hour": 9, "minute": 18, "second": 11}
